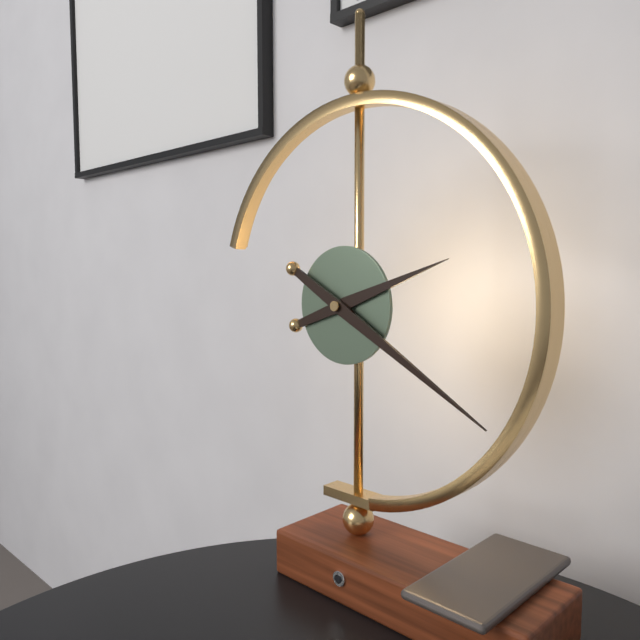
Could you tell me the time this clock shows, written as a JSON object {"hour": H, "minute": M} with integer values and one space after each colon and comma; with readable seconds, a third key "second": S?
{"hour": 2, "minute": 20}
